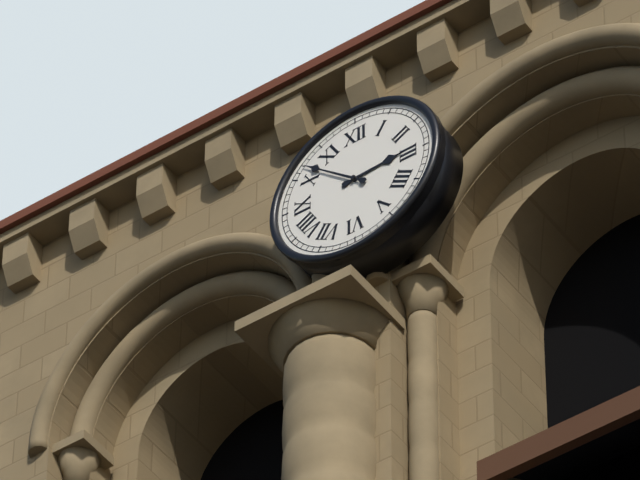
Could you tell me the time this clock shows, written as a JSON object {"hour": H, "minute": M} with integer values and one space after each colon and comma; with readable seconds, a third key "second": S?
{"hour": 2, "minute": 52}
